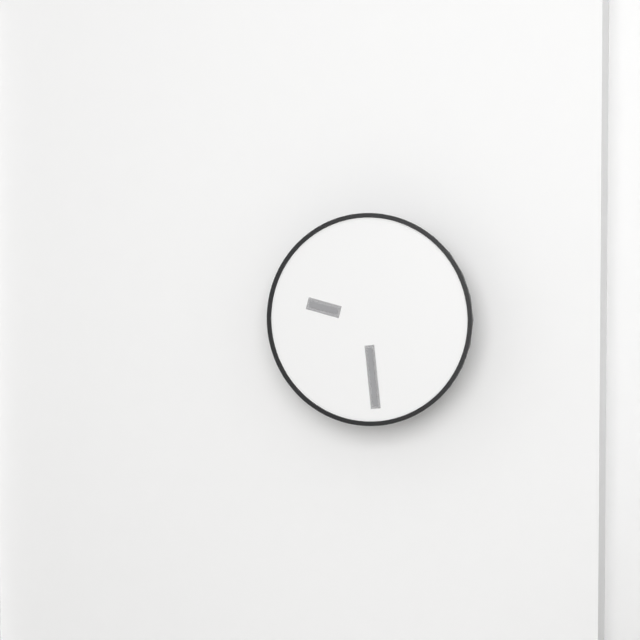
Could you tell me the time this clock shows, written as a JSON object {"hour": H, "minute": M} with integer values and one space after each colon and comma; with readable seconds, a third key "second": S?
{"hour": 9, "minute": 29}
